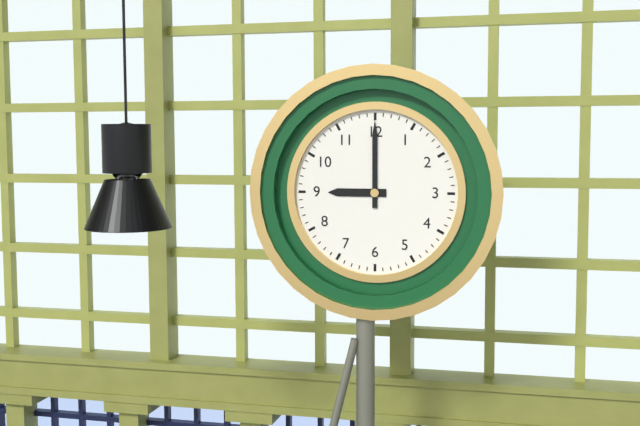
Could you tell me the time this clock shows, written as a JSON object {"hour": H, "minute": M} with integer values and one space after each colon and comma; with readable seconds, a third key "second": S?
{"hour": 9, "minute": 0}
